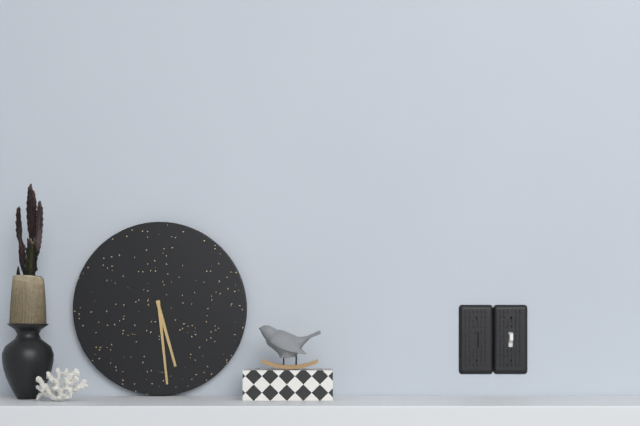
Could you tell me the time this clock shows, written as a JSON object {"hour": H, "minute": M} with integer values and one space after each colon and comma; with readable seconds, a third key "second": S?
{"hour": 5, "minute": 29}
